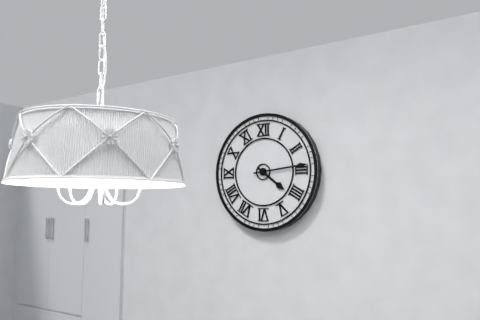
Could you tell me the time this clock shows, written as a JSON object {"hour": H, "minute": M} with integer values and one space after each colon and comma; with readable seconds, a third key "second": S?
{"hour": 4, "minute": 14}
